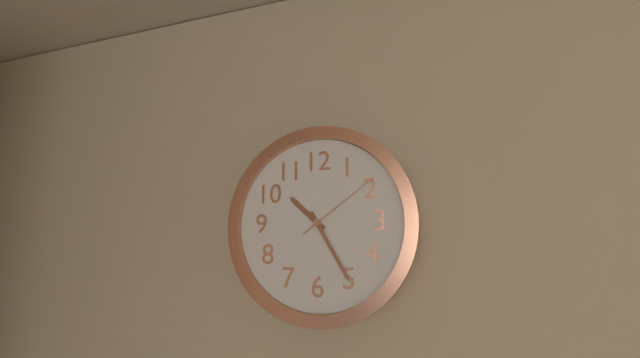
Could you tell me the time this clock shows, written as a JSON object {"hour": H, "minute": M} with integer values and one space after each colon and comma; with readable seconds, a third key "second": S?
{"hour": 10, "minute": 25, "second": 9}
